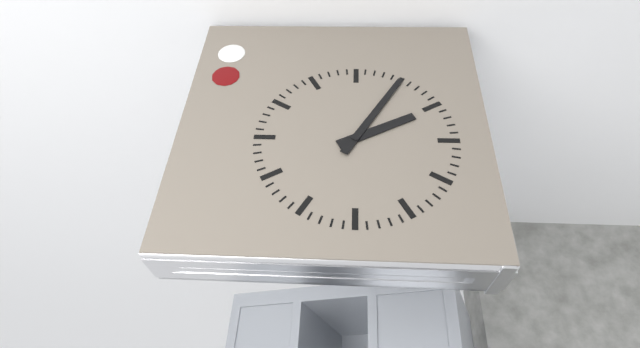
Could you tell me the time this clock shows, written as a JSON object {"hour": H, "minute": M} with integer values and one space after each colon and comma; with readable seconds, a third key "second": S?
{"hour": 2, "minute": 5}
